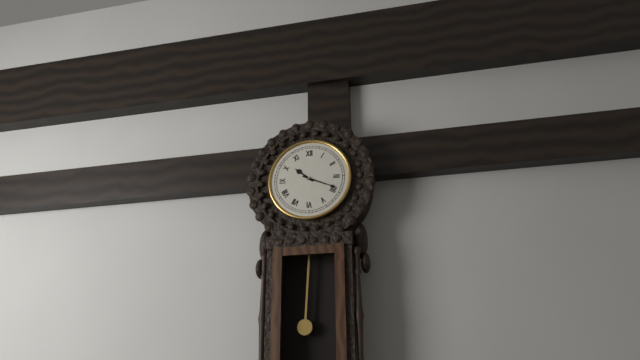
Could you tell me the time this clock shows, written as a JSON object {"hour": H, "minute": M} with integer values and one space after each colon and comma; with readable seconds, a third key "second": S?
{"hour": 10, "minute": 19}
